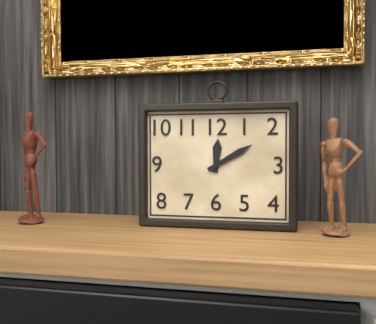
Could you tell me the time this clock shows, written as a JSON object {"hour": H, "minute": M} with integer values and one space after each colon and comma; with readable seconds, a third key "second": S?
{"hour": 12, "minute": 10}
